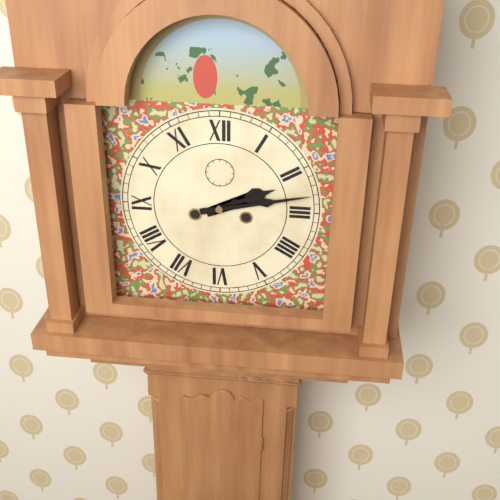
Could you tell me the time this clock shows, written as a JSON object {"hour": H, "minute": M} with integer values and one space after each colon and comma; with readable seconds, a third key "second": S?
{"hour": 2, "minute": 13}
